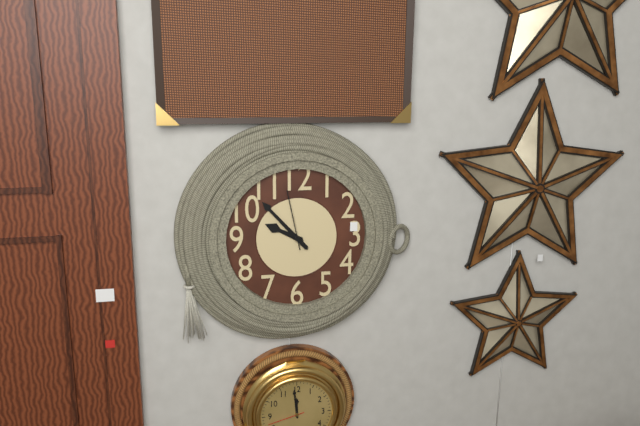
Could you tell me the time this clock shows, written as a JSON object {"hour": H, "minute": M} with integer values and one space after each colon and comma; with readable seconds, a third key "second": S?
{"hour": 9, "minute": 53, "second": 58}
